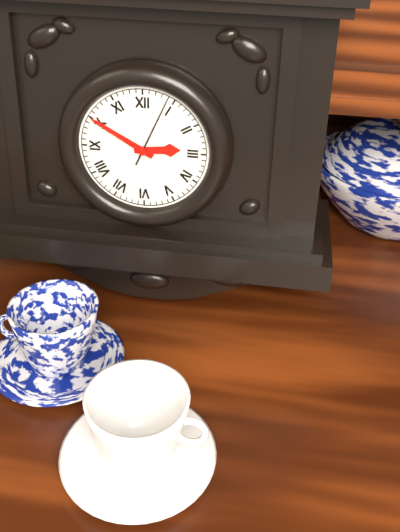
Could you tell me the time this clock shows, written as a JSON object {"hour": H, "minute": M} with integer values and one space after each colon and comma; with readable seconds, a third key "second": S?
{"hour": 2, "minute": 50}
